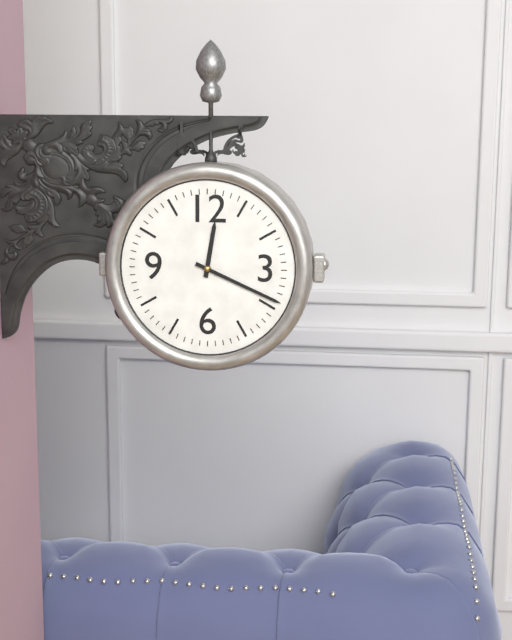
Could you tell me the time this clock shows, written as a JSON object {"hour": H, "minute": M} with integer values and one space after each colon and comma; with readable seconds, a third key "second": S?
{"hour": 12, "minute": 19}
